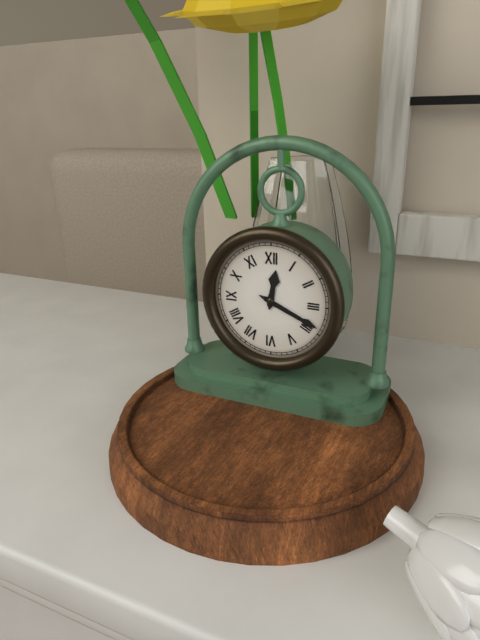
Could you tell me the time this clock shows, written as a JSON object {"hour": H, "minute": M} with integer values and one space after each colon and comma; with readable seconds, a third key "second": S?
{"hour": 12, "minute": 19}
